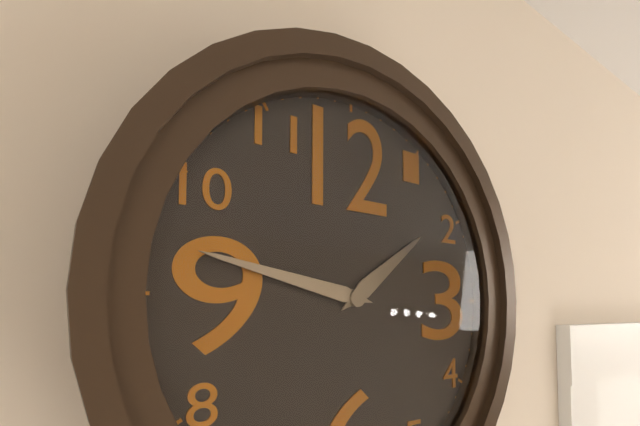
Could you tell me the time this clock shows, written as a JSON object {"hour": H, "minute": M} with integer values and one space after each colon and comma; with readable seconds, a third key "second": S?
{"hour": 1, "minute": 47}
